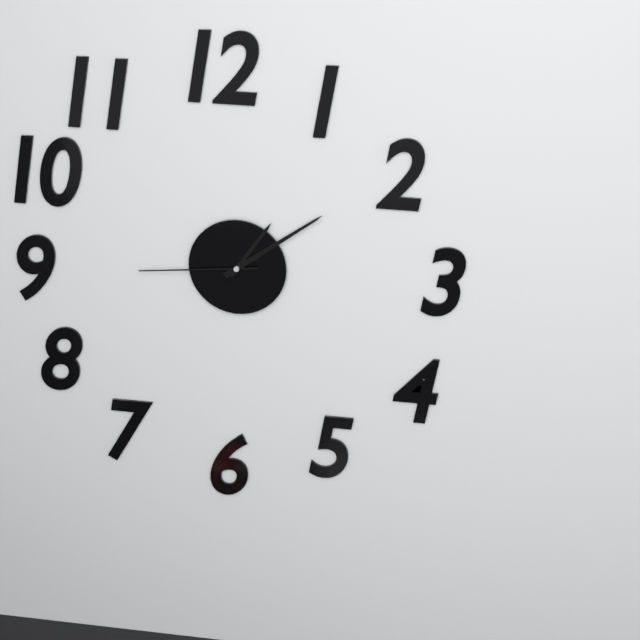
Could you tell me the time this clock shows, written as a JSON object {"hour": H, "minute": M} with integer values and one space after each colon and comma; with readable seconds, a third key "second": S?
{"hour": 1, "minute": 9, "second": 44}
